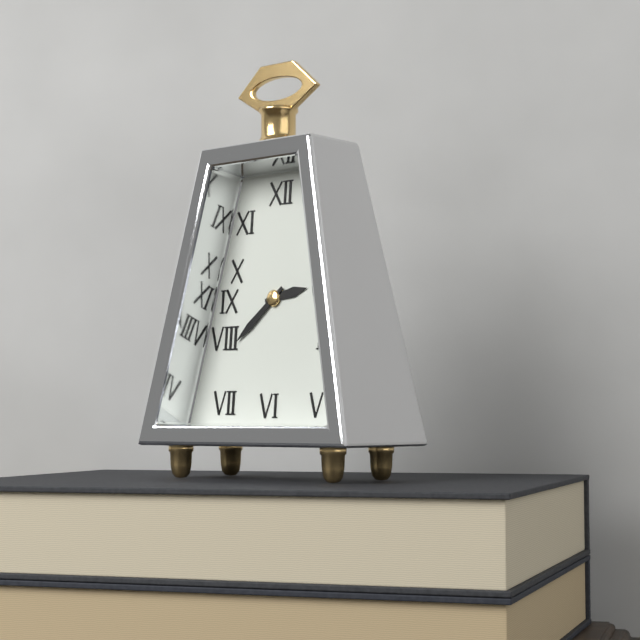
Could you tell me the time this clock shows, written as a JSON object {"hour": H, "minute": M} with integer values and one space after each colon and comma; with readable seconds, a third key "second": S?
{"hour": 2, "minute": 38}
